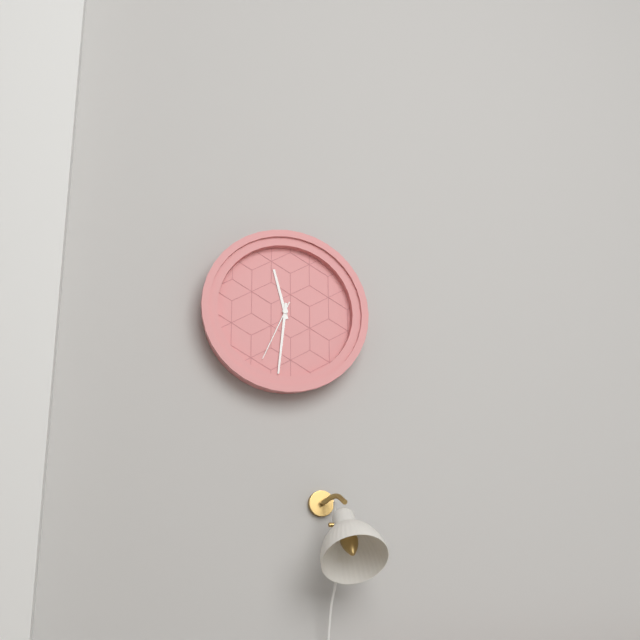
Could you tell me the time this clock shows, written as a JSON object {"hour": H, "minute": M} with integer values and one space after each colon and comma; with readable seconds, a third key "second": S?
{"hour": 11, "minute": 31, "second": 34}
